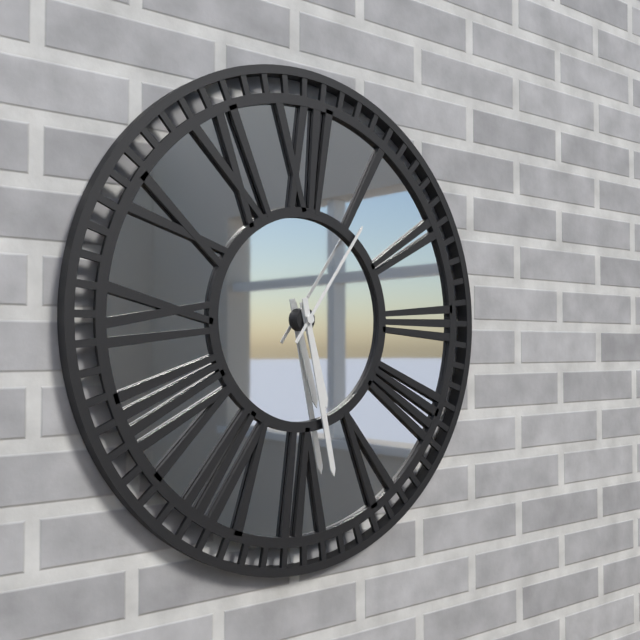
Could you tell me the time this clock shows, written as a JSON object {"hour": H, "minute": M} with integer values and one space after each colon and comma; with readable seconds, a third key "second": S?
{"hour": 5, "minute": 28, "second": 6}
